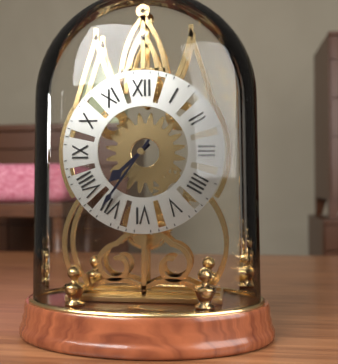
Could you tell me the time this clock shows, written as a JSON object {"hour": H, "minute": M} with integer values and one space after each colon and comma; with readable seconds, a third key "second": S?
{"hour": 7, "minute": 36}
